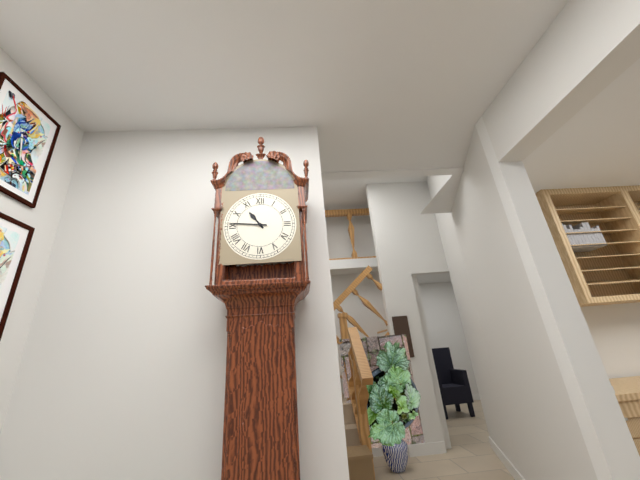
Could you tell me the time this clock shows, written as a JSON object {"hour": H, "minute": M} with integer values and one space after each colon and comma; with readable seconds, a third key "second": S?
{"hour": 10, "minute": 46}
